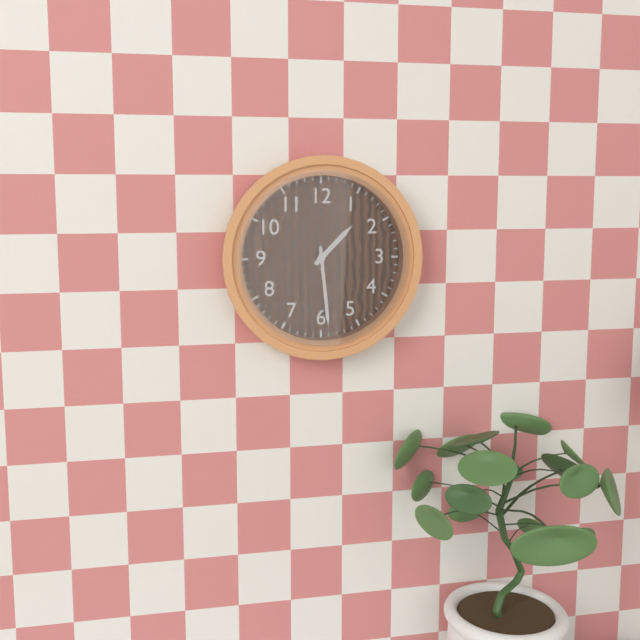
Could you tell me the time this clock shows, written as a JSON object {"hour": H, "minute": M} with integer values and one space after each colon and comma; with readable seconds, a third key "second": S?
{"hour": 1, "minute": 29}
